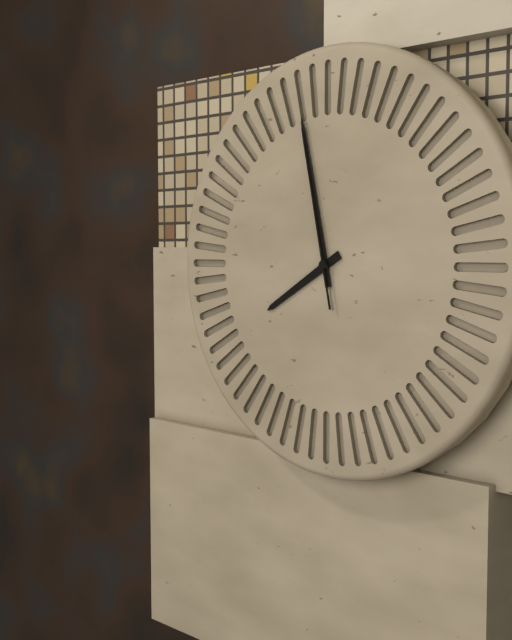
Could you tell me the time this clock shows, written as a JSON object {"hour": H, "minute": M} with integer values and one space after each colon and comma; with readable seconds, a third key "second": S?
{"hour": 7, "minute": 58, "second": 58}
